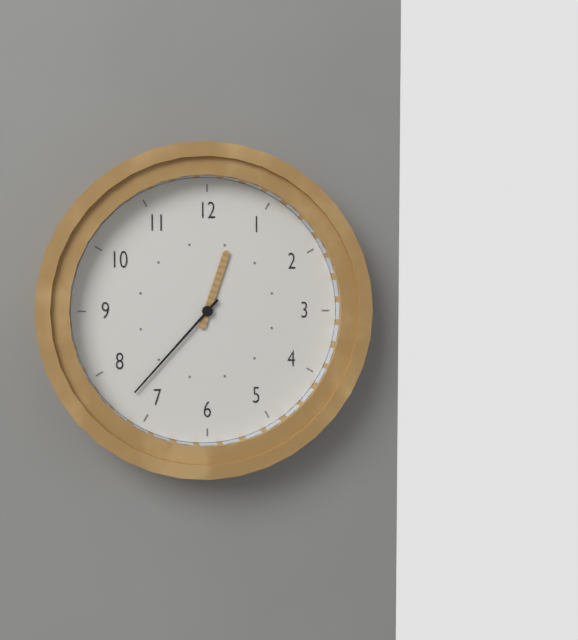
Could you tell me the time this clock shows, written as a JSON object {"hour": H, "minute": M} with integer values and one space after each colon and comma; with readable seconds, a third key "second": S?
{"hour": 12, "minute": 37}
